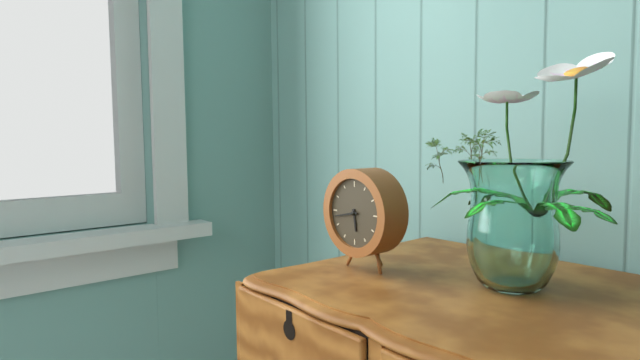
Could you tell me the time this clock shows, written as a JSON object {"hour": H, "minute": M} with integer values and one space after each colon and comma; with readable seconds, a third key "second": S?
{"hour": 5, "minute": 43}
